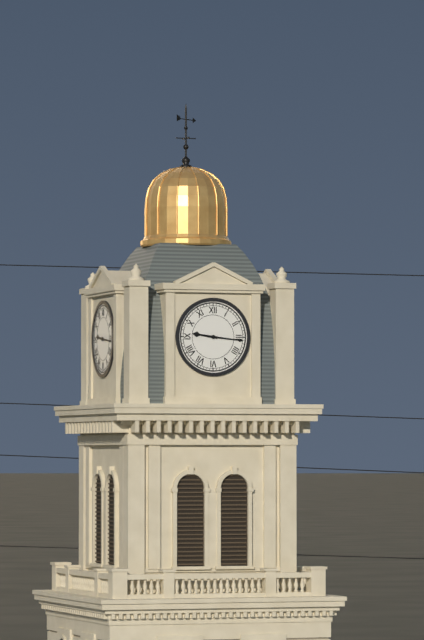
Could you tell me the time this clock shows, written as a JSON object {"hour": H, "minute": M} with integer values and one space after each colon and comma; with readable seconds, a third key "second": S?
{"hour": 9, "minute": 16}
